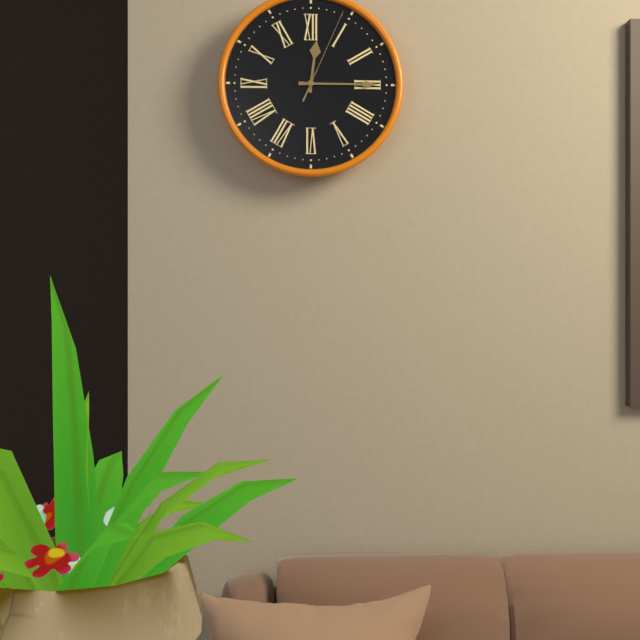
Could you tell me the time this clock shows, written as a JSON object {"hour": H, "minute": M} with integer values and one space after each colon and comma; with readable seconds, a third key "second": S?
{"hour": 12, "minute": 15, "second": 4}
